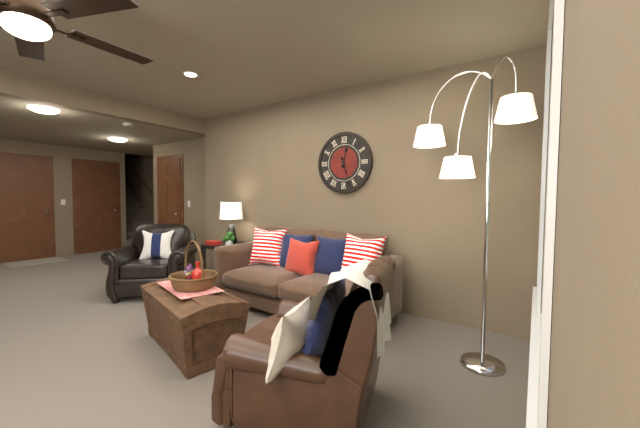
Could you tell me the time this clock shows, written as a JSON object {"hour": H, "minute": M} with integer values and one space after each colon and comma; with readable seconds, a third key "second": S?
{"hour": 12, "minute": 27}
